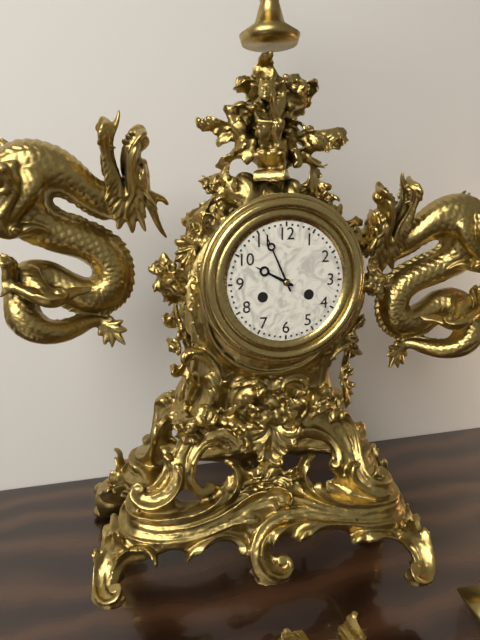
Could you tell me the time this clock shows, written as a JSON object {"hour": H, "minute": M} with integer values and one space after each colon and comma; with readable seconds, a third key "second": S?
{"hour": 9, "minute": 56}
